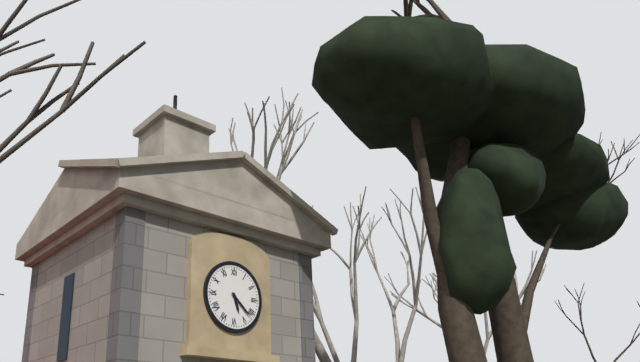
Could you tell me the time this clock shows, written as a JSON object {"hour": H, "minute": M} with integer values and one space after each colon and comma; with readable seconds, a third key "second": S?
{"hour": 5, "minute": 22}
